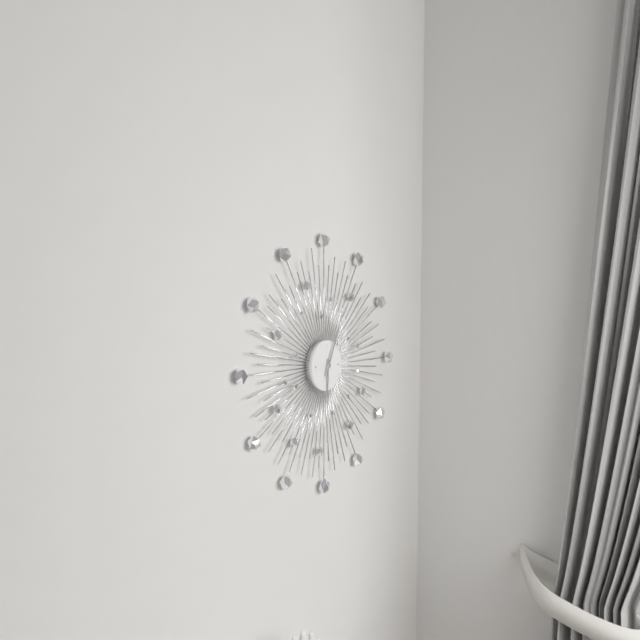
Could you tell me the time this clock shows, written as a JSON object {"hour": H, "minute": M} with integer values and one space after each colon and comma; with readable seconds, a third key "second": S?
{"hour": 6, "minute": 4}
